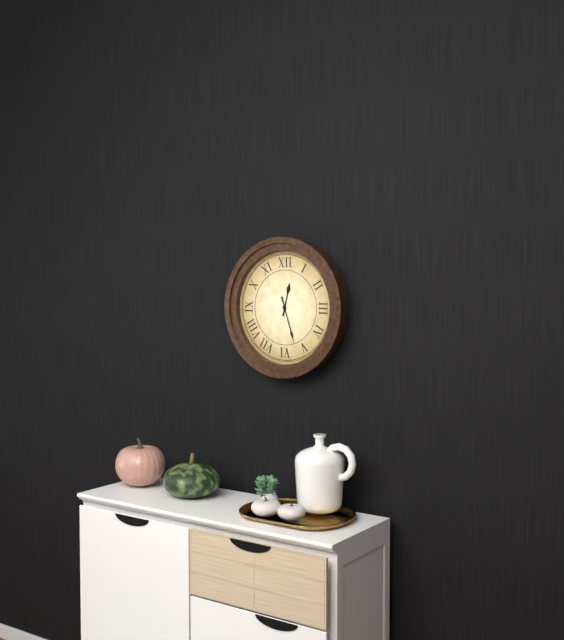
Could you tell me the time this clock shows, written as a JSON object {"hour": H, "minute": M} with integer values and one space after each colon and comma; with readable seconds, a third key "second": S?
{"hour": 12, "minute": 27}
